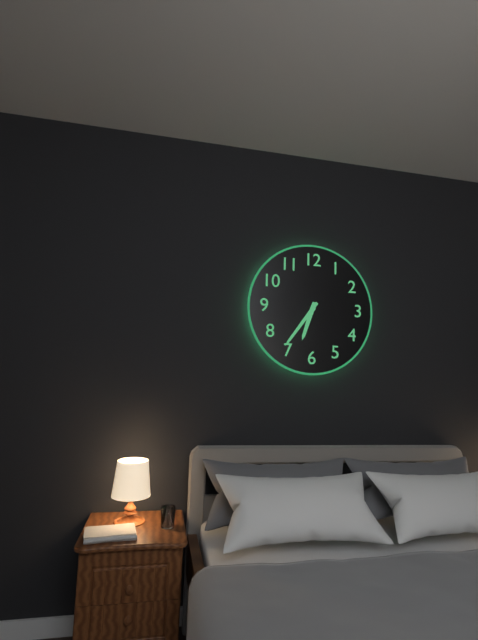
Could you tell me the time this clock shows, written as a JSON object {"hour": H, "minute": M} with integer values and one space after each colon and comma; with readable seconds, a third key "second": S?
{"hour": 6, "minute": 36}
